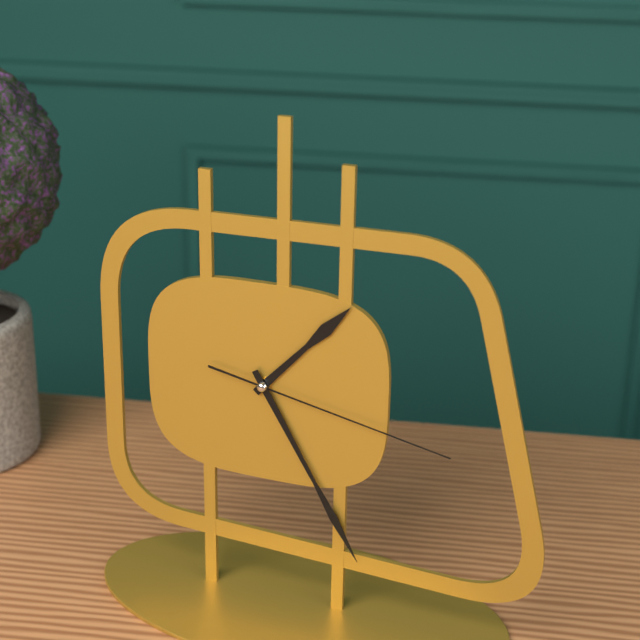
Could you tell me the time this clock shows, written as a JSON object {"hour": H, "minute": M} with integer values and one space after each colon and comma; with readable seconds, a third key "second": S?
{"hour": 1, "minute": 25, "second": 17}
